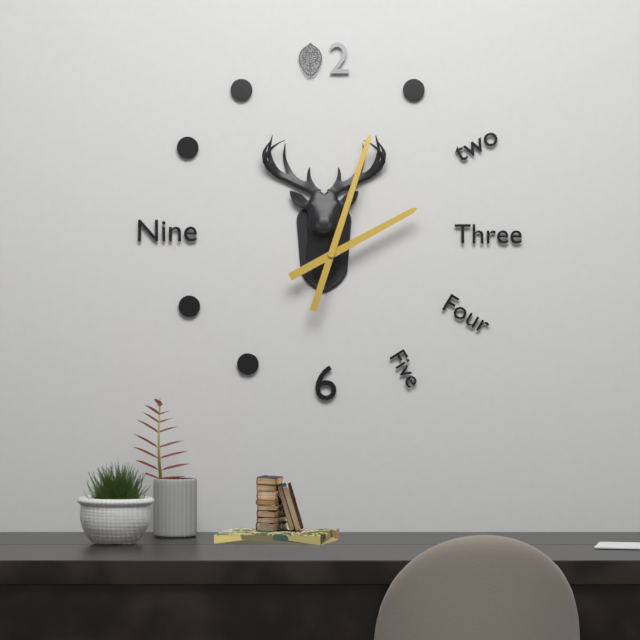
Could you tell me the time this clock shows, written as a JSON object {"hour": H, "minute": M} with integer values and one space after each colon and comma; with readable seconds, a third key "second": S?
{"hour": 2, "minute": 3}
